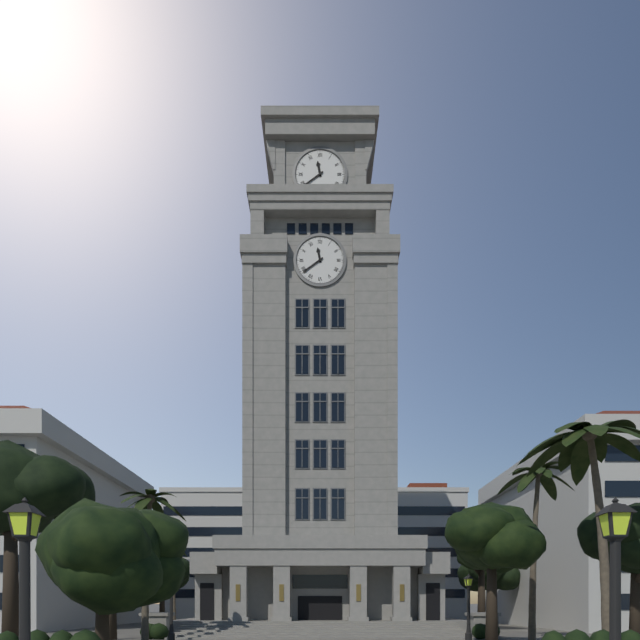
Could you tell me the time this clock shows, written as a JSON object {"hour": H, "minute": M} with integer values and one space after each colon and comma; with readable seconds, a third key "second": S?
{"hour": 11, "minute": 39}
